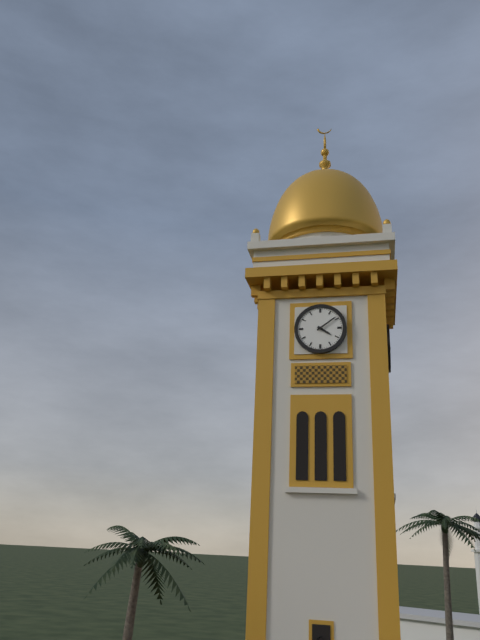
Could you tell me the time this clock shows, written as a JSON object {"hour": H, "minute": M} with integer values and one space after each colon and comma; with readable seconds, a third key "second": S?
{"hour": 4, "minute": 9}
